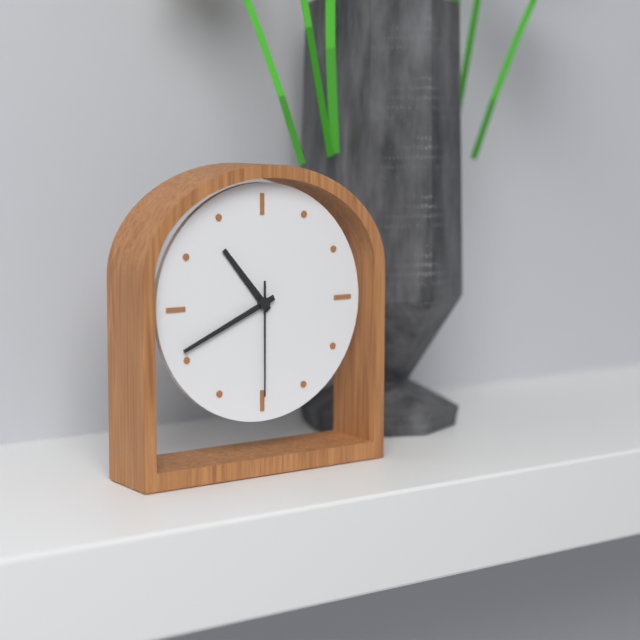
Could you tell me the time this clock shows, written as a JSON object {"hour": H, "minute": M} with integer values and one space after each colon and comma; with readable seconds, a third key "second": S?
{"hour": 10, "minute": 41, "second": 30}
